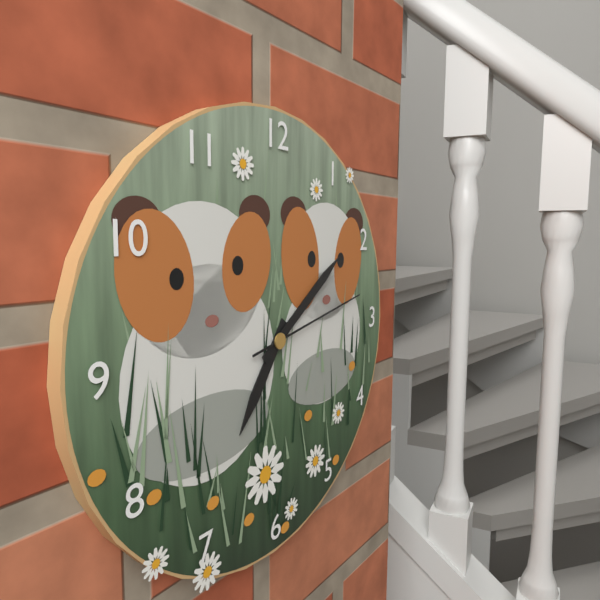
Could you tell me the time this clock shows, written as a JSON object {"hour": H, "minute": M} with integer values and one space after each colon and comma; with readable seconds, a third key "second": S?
{"hour": 7, "minute": 9, "second": 13}
